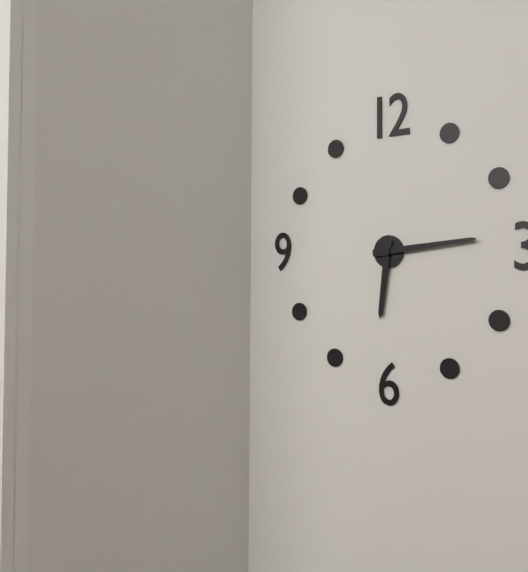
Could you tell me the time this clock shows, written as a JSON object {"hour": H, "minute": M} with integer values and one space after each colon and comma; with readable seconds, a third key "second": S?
{"hour": 6, "minute": 14}
